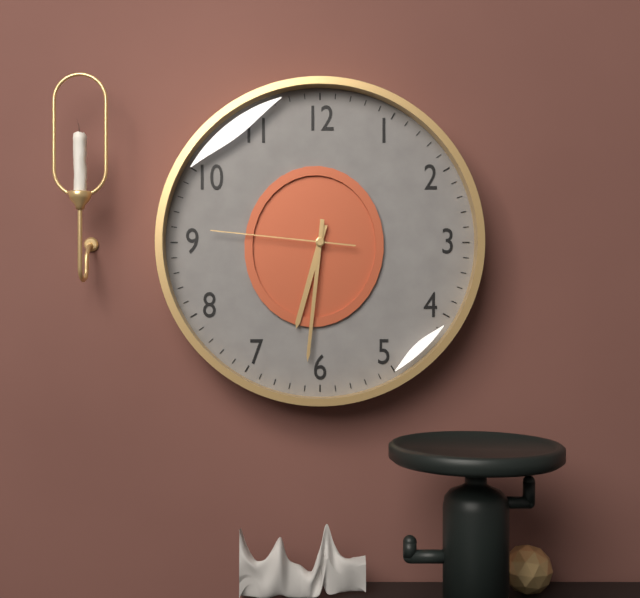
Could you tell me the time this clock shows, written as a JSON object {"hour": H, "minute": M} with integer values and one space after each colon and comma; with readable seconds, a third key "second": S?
{"hour": 6, "minute": 31, "second": 46}
